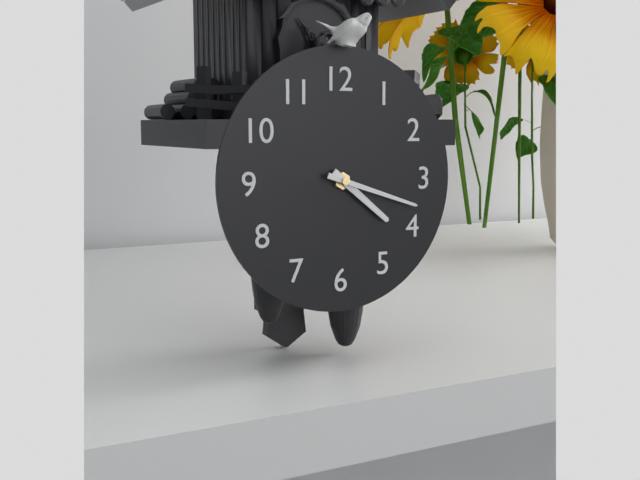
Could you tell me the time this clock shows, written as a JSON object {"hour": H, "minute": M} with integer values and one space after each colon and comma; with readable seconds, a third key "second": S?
{"hour": 4, "minute": 18}
